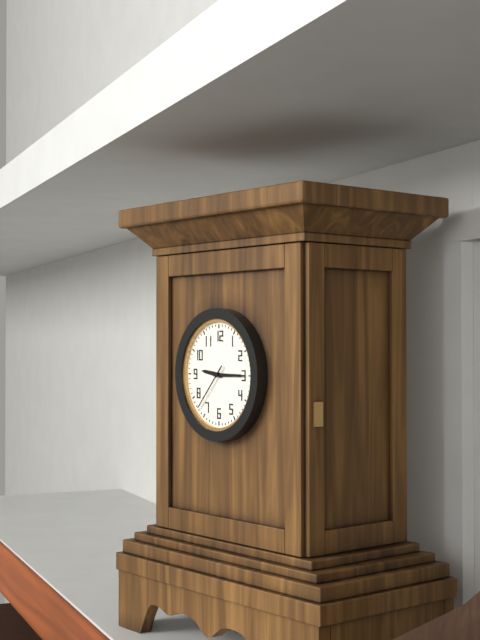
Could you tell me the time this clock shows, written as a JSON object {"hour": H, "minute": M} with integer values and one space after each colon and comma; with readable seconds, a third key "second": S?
{"hour": 9, "minute": 15, "second": 37}
